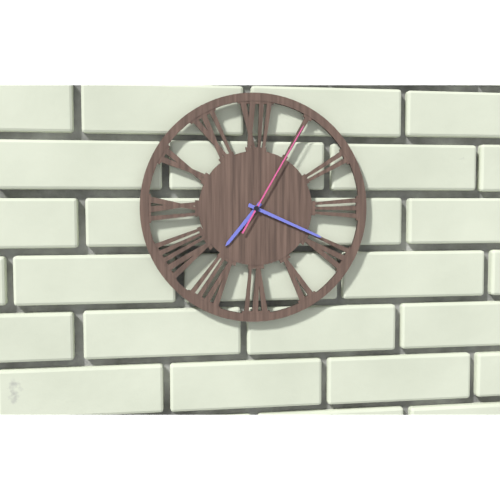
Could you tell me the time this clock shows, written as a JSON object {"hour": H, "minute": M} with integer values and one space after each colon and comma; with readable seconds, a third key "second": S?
{"hour": 7, "minute": 19, "second": 5}
